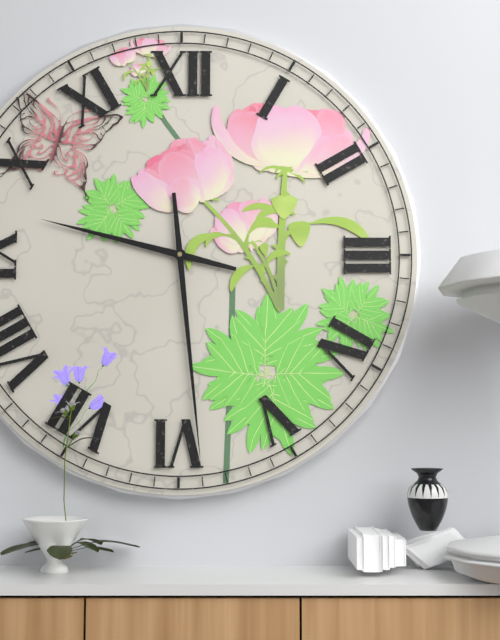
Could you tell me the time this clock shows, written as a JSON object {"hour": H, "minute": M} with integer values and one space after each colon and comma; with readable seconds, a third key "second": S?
{"hour": 9, "minute": 29}
